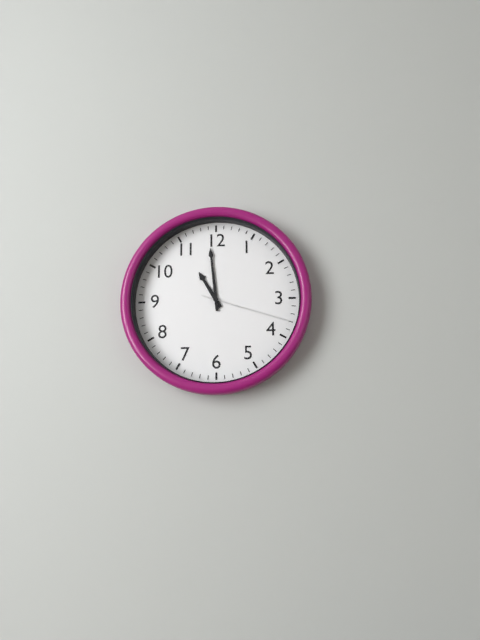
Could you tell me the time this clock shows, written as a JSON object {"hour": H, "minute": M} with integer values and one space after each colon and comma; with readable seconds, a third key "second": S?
{"hour": 10, "minute": 59, "second": 18}
